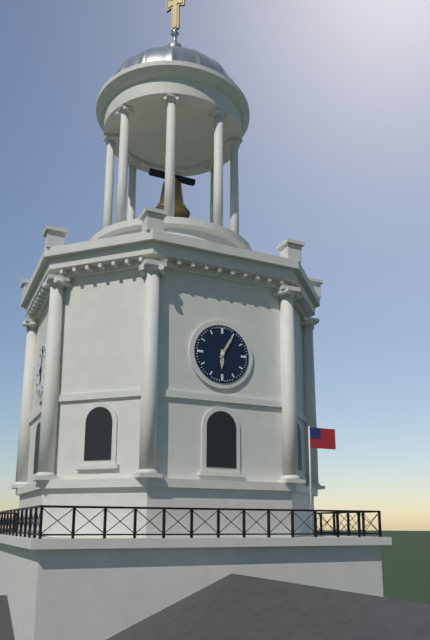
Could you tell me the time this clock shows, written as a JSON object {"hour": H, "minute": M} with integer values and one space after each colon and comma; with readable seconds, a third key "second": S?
{"hour": 6, "minute": 5}
